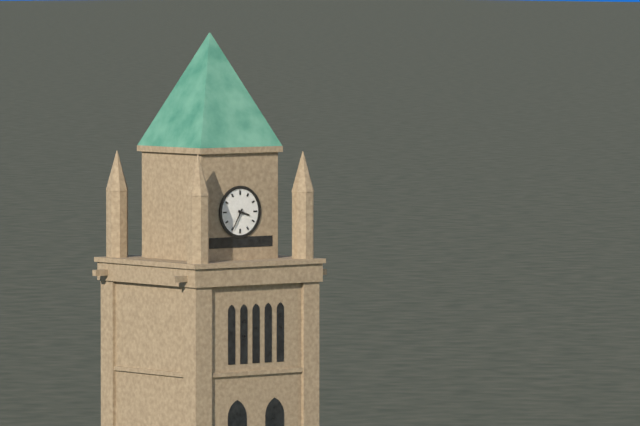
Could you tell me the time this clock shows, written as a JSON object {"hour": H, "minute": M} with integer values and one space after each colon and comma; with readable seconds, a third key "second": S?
{"hour": 3, "minute": 35}
